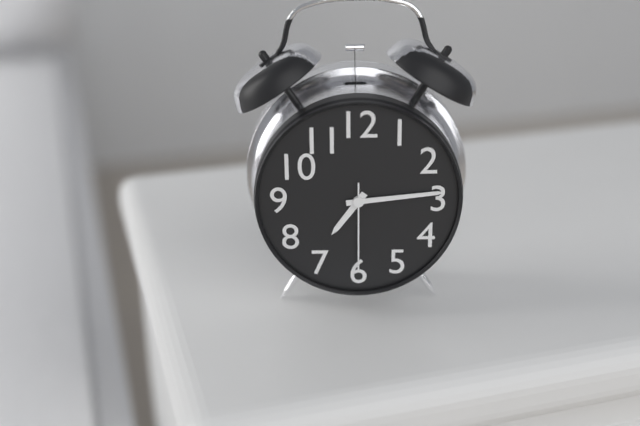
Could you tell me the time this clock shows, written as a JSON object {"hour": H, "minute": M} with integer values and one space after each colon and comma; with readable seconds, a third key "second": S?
{"hour": 7, "minute": 14, "second": 30}
